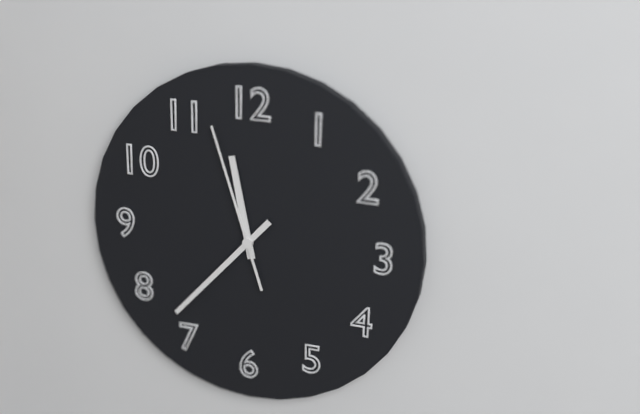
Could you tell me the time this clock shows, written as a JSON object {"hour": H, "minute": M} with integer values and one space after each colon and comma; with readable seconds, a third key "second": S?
{"hour": 11, "minute": 37, "second": 57}
